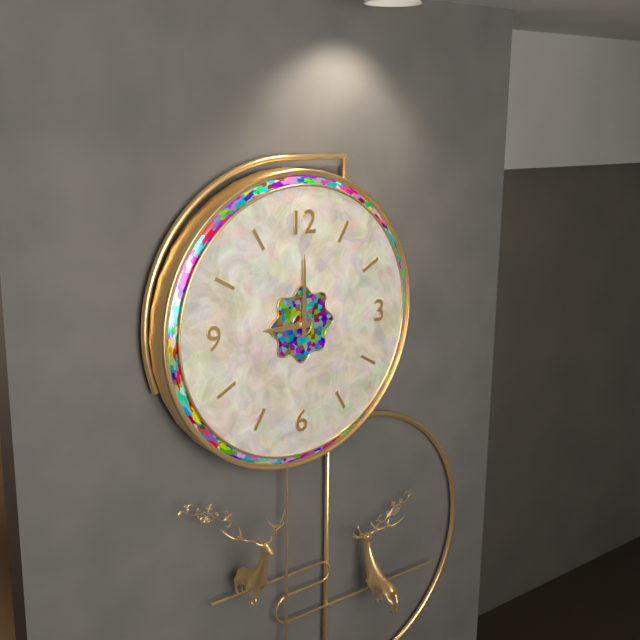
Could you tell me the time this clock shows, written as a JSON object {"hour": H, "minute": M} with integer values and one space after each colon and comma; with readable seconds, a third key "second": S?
{"hour": 9, "minute": 0}
